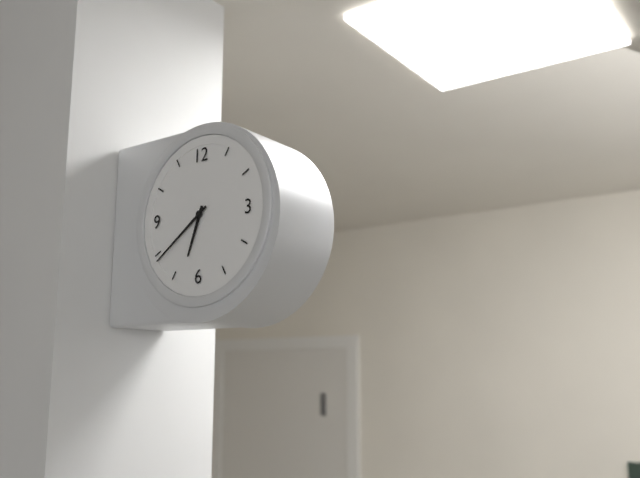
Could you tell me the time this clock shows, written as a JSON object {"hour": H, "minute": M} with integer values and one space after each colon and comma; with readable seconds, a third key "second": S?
{"hour": 6, "minute": 39}
